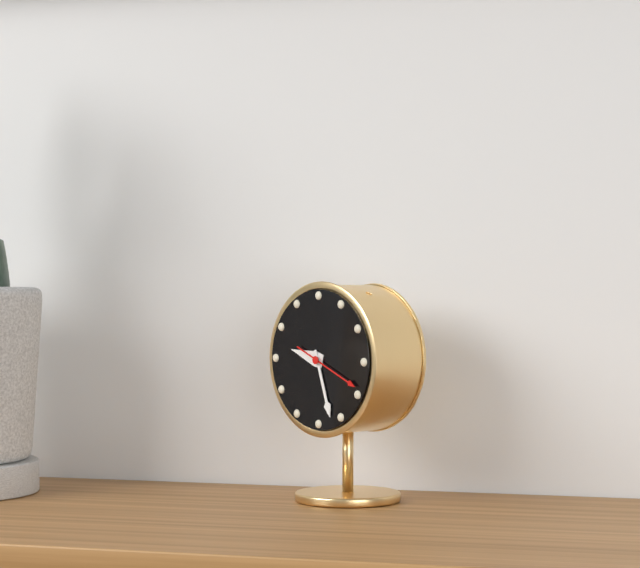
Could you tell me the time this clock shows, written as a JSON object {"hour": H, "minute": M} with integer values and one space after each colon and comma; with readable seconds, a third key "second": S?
{"hour": 9, "minute": 27, "second": 19}
